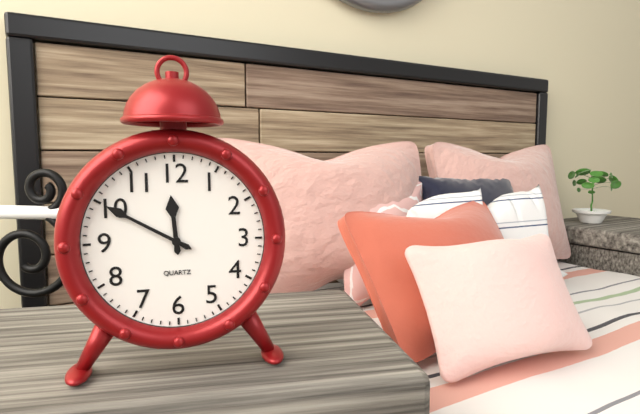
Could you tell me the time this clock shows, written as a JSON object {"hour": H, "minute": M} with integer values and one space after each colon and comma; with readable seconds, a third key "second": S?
{"hour": 11, "minute": 50}
